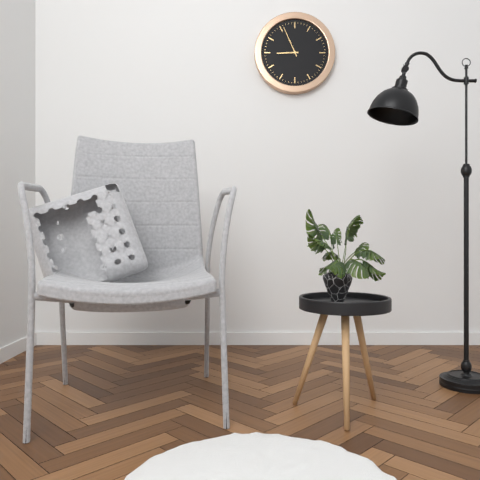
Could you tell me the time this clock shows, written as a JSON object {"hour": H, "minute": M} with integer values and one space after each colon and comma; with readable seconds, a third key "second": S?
{"hour": 8, "minute": 56}
